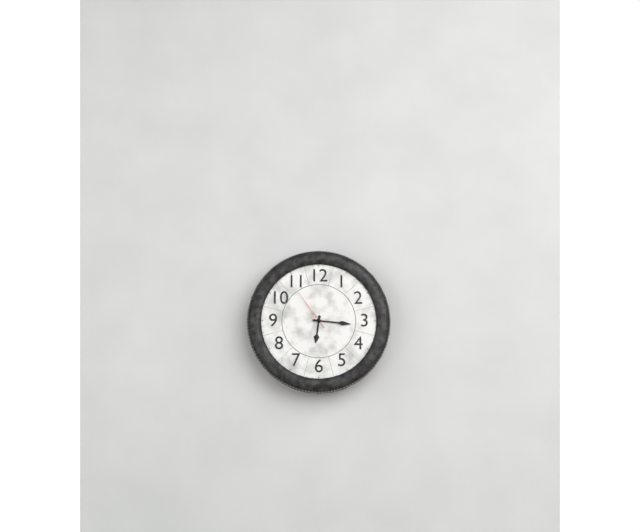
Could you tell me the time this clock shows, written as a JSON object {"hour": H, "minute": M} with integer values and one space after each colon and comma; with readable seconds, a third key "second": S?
{"hour": 6, "minute": 16}
